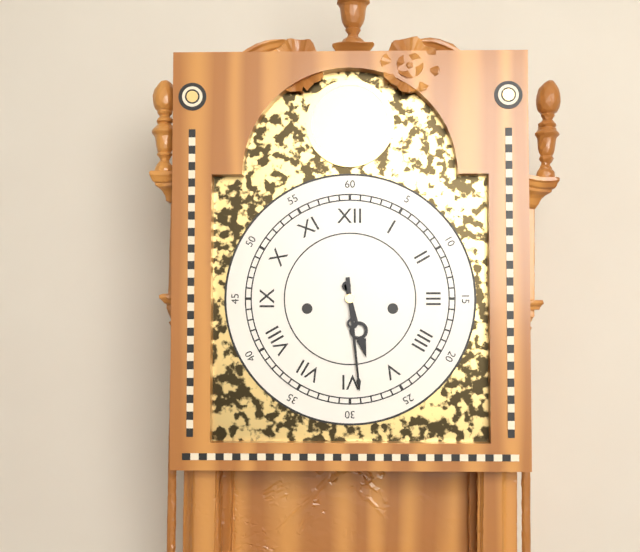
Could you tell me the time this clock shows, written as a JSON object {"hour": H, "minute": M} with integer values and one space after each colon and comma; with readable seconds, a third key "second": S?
{"hour": 5, "minute": 29}
